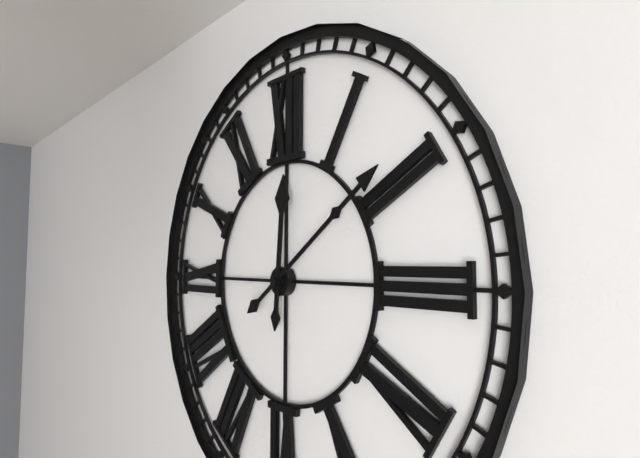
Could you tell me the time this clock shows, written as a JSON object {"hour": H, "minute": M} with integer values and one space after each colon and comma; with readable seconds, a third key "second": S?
{"hour": 12, "minute": 9}
